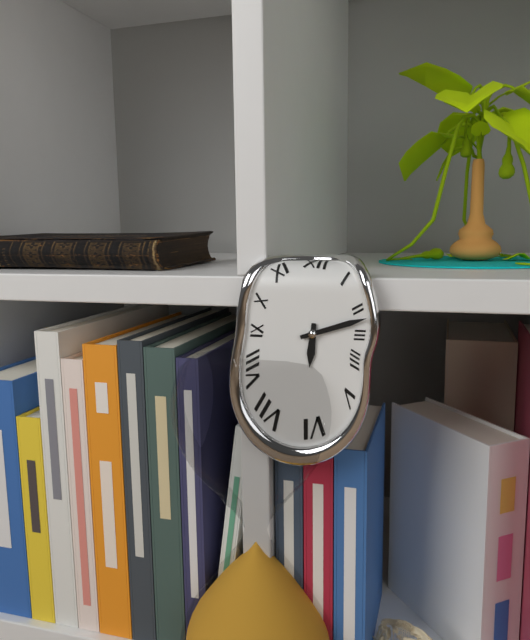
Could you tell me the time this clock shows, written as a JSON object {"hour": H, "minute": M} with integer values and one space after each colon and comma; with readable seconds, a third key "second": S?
{"hour": 6, "minute": 12}
